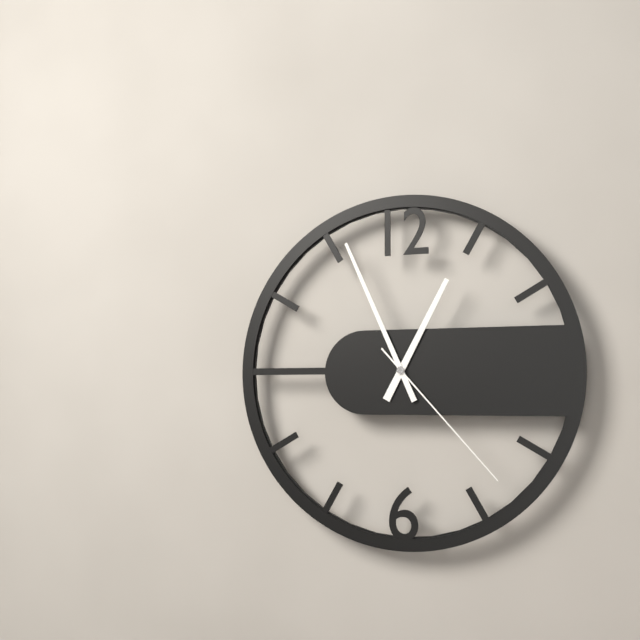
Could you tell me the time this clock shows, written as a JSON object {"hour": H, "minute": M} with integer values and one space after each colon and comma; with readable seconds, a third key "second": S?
{"hour": 12, "minute": 56, "second": 23}
